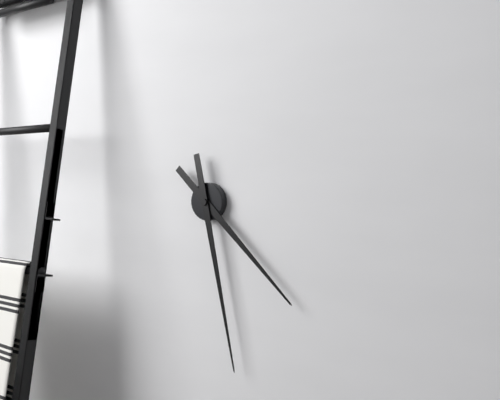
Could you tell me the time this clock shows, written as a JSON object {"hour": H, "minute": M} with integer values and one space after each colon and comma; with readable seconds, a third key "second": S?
{"hour": 4, "minute": 28}
